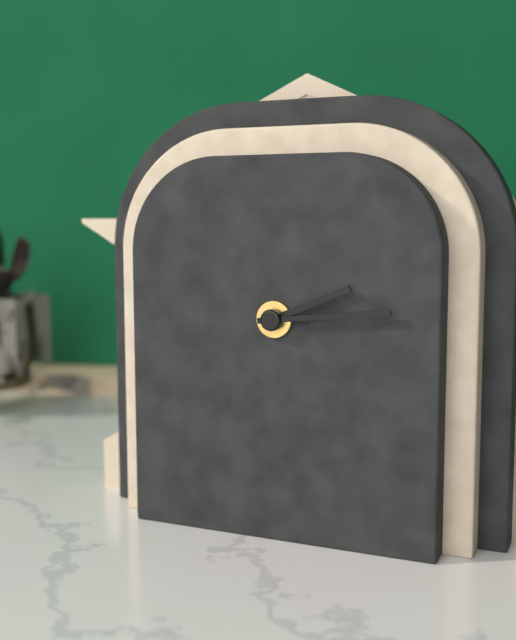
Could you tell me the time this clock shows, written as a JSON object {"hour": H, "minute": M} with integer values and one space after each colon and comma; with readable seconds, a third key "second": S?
{"hour": 2, "minute": 14}
